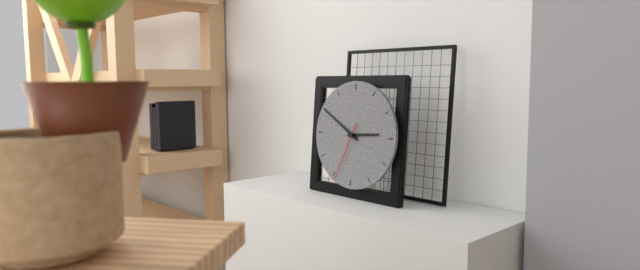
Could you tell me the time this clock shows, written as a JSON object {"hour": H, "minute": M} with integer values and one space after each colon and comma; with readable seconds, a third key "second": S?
{"hour": 2, "minute": 50, "second": 34}
